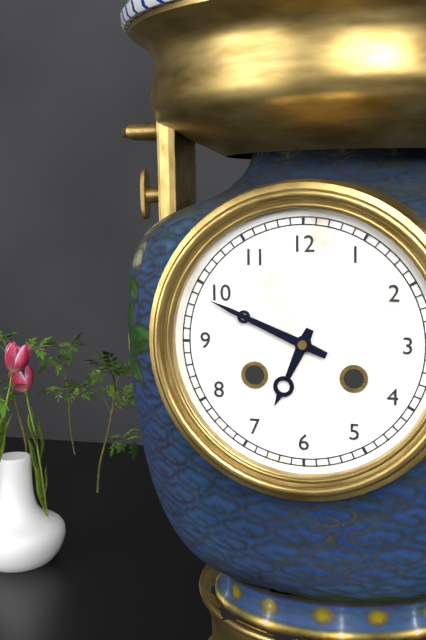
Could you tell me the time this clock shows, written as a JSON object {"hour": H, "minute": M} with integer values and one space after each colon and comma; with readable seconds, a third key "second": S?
{"hour": 6, "minute": 49}
